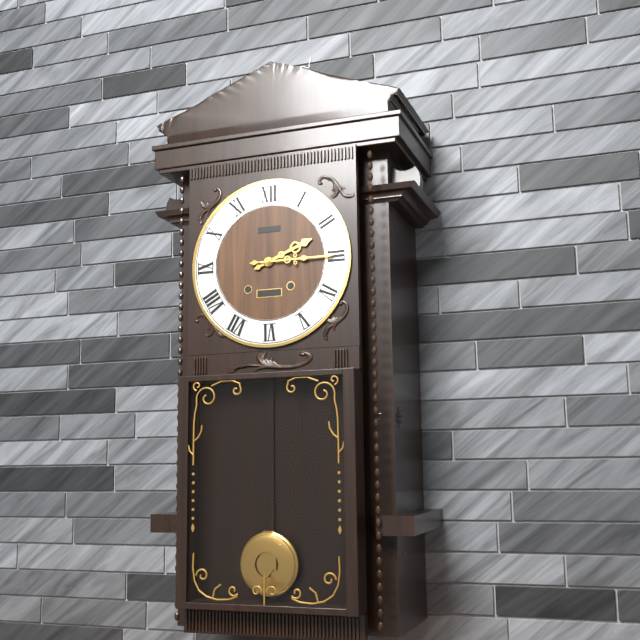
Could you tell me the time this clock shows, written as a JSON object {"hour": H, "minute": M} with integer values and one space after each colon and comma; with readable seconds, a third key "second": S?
{"hour": 2, "minute": 15}
